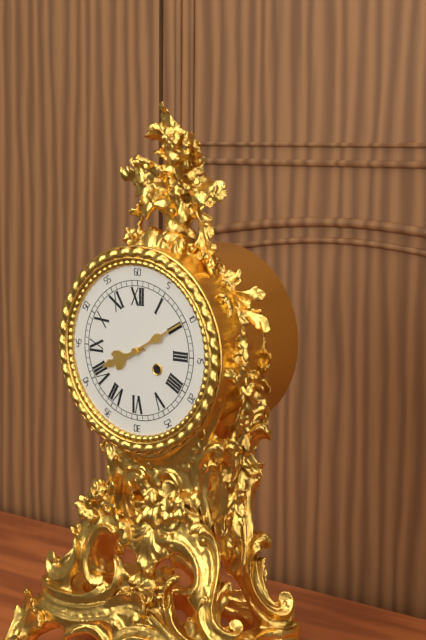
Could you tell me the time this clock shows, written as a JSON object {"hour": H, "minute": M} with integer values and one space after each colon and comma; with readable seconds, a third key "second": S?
{"hour": 8, "minute": 10}
